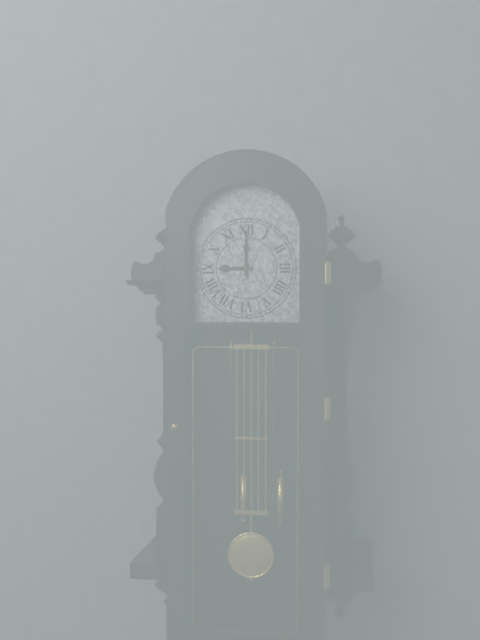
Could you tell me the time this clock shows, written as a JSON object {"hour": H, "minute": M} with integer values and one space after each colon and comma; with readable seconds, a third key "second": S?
{"hour": 9, "minute": 0}
